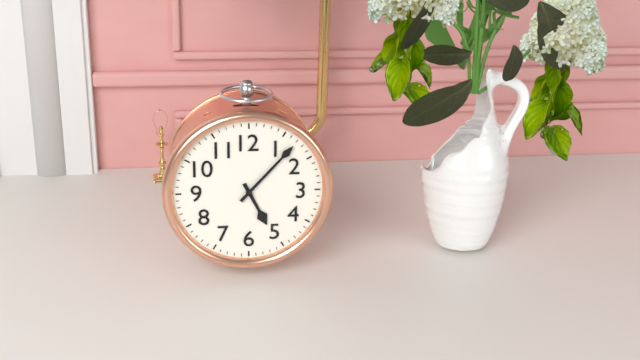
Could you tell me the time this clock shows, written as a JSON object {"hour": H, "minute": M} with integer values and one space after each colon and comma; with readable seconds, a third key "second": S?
{"hour": 5, "minute": 7}
